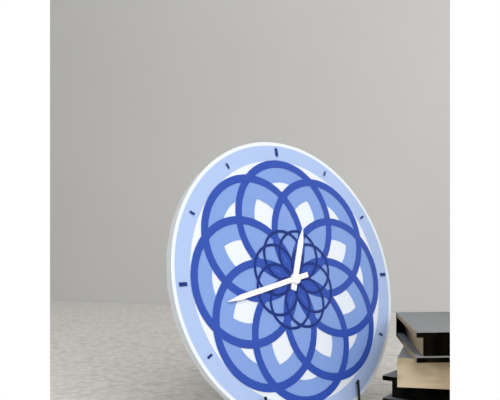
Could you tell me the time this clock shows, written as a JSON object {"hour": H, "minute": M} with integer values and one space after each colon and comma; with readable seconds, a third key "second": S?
{"hour": 12, "minute": 43}
